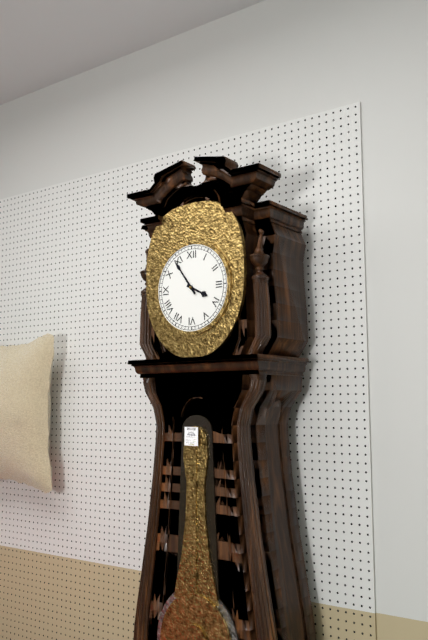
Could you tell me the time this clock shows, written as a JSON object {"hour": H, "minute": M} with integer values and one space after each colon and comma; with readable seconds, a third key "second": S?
{"hour": 3, "minute": 54}
